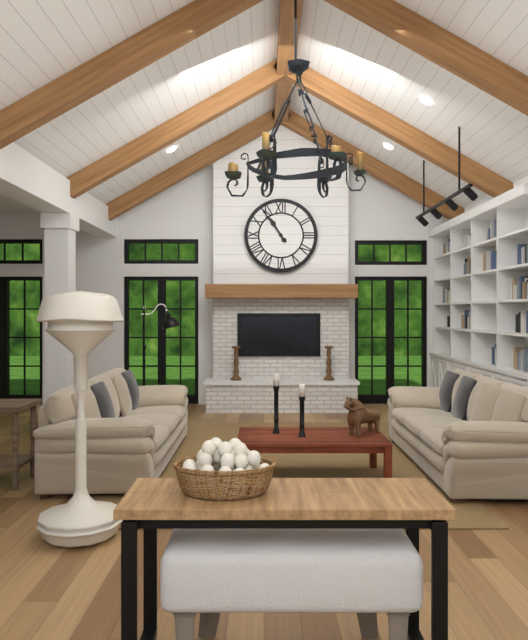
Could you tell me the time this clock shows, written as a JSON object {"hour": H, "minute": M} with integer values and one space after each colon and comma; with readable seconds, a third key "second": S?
{"hour": 10, "minute": 54}
